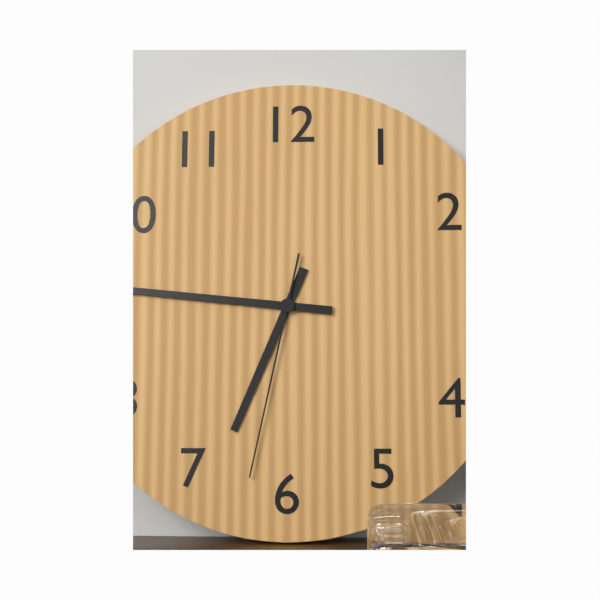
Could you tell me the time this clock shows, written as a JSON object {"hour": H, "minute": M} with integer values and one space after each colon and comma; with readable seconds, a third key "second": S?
{"hour": 6, "minute": 46, "second": 32}
